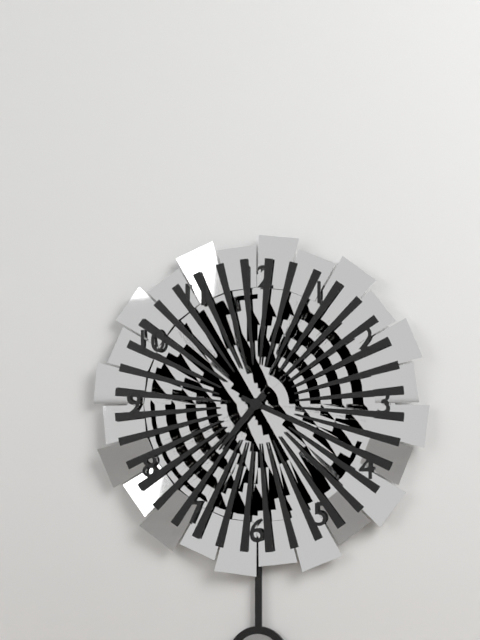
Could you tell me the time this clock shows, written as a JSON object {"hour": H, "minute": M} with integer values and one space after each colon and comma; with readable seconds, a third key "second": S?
{"hour": 7, "minute": 19}
